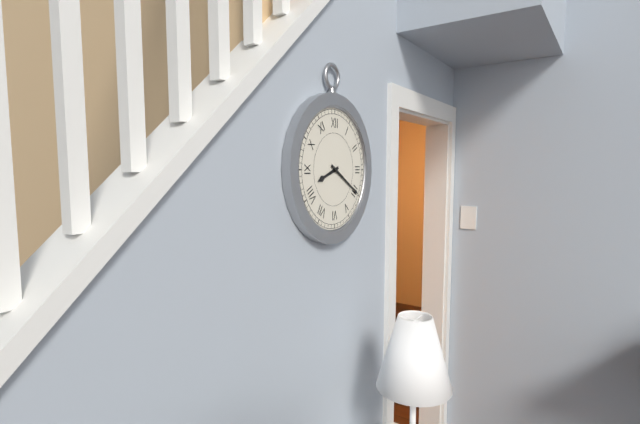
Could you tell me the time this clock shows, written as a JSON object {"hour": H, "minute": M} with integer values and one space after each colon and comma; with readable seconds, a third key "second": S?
{"hour": 8, "minute": 20}
